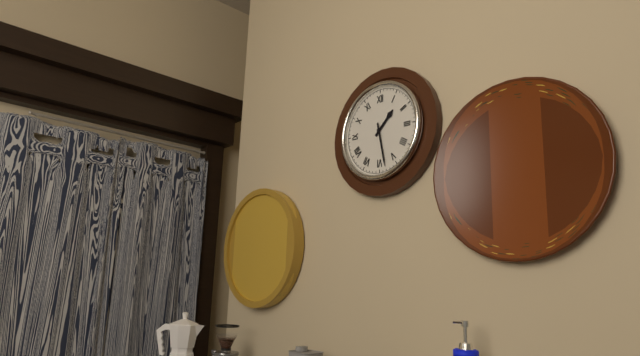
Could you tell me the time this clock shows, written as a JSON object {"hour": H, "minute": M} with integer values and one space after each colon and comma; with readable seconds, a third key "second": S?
{"hour": 1, "minute": 28}
